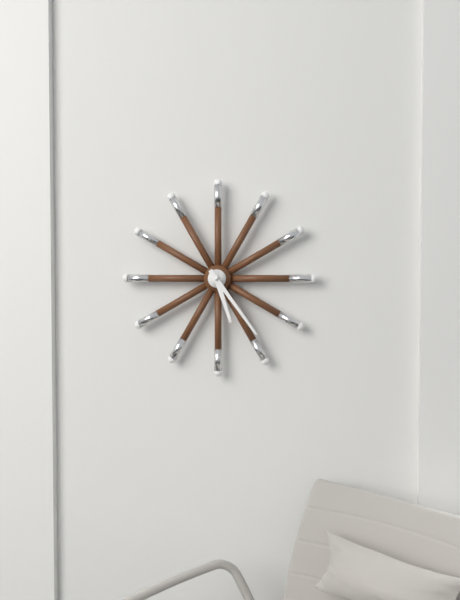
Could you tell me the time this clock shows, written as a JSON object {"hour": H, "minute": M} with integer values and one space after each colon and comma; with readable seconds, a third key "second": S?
{"hour": 5, "minute": 24}
